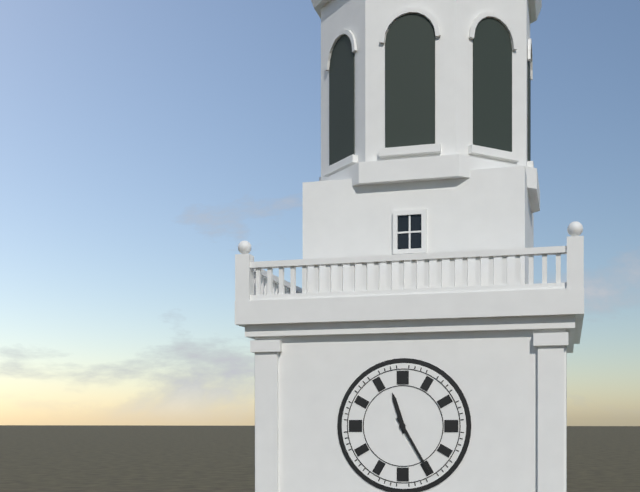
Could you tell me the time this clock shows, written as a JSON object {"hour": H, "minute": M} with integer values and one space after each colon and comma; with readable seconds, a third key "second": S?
{"hour": 11, "minute": 25}
